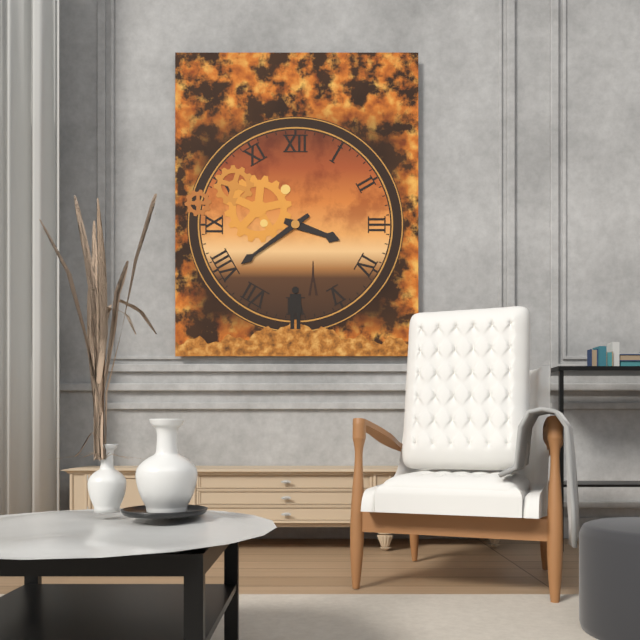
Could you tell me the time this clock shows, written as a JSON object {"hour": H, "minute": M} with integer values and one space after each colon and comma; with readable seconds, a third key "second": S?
{"hour": 3, "minute": 39}
